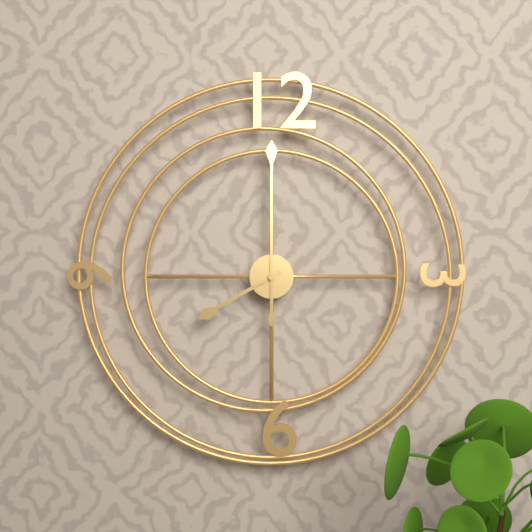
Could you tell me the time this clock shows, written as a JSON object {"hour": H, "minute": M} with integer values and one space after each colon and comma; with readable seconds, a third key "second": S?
{"hour": 8, "minute": 0}
